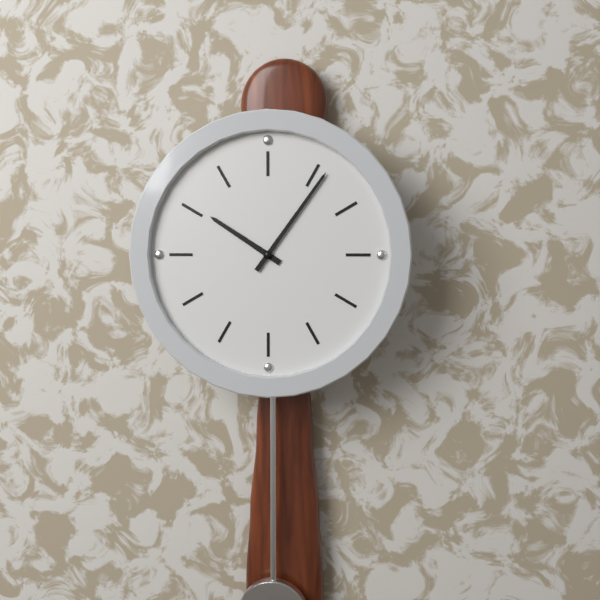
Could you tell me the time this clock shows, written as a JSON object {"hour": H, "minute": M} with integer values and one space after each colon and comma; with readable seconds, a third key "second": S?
{"hour": 10, "minute": 6}
